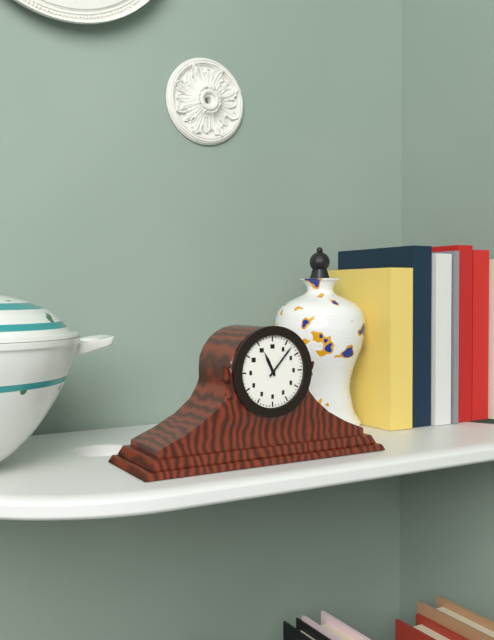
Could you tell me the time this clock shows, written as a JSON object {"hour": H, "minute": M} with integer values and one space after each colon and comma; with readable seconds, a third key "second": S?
{"hour": 11, "minute": 7}
